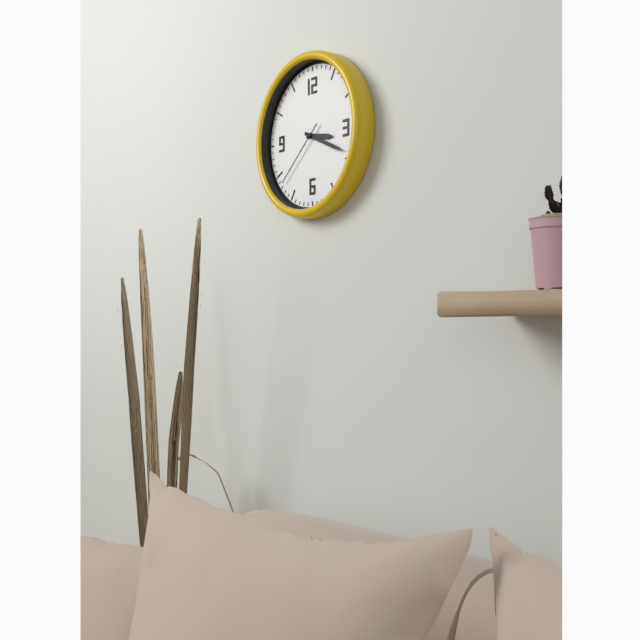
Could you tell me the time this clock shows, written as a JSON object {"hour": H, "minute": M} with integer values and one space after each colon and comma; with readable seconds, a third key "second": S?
{"hour": 3, "minute": 19, "second": 38}
